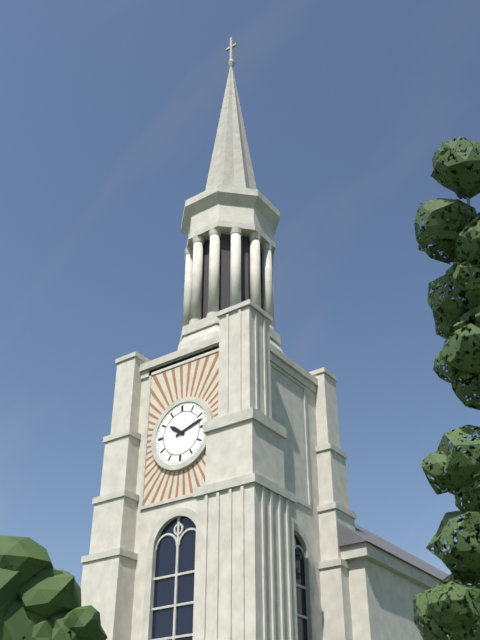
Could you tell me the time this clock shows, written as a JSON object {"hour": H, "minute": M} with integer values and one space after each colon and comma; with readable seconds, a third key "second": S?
{"hour": 10, "minute": 12}
